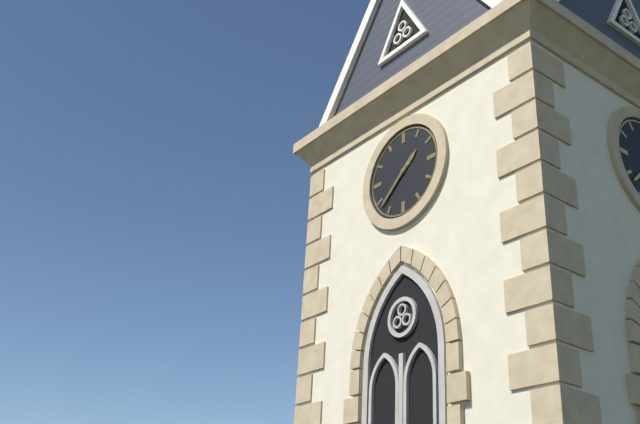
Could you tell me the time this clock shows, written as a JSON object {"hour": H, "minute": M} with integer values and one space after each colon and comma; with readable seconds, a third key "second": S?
{"hour": 1, "minute": 38}
